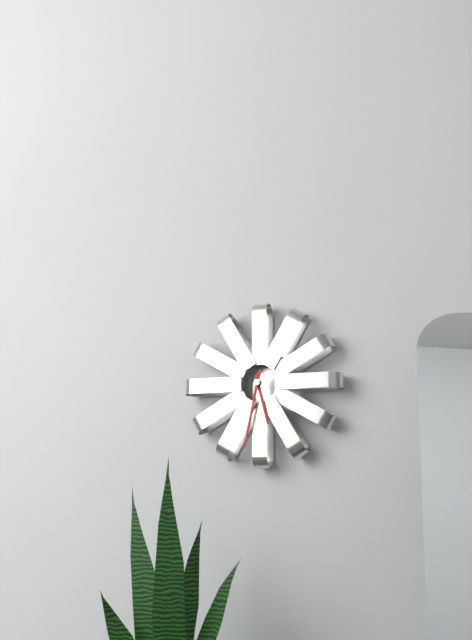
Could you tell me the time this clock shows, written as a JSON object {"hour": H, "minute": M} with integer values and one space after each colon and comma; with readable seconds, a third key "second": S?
{"hour": 5, "minute": 32}
